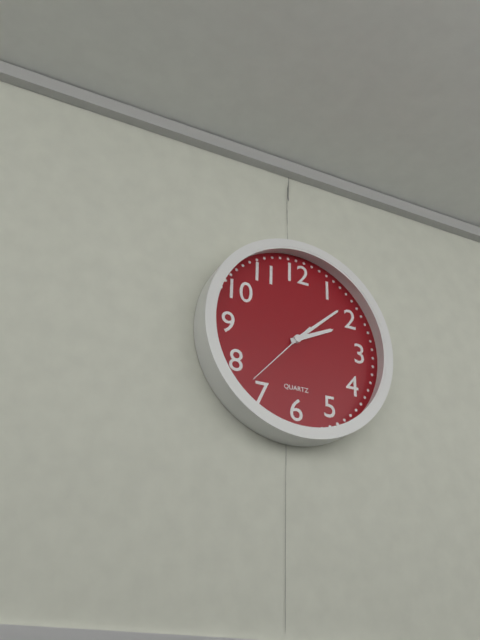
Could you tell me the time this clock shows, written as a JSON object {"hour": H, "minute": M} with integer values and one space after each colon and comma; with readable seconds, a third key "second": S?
{"hour": 2, "minute": 8, "second": 37}
